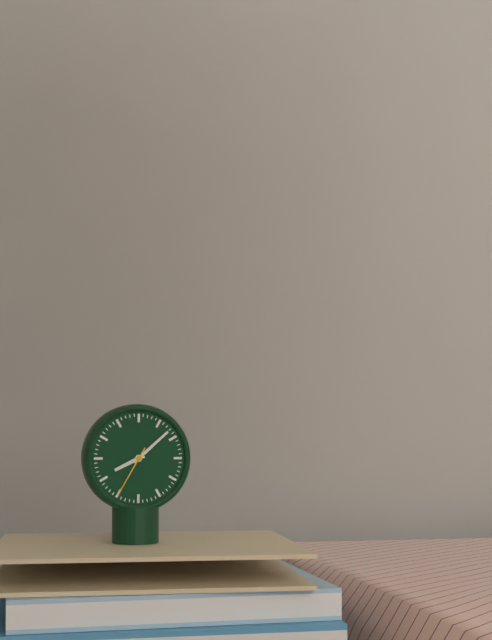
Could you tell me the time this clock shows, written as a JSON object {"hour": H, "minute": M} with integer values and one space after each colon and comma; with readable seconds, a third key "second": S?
{"hour": 8, "minute": 8, "second": 35}
